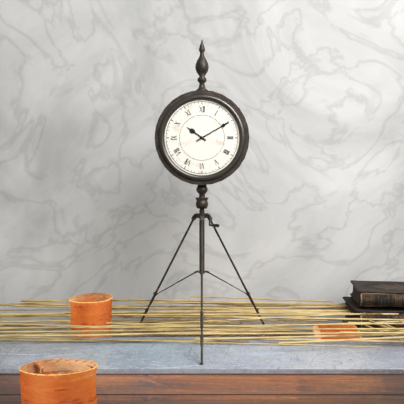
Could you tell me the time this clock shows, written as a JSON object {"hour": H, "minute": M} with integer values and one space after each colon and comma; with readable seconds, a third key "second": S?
{"hour": 10, "minute": 10}
